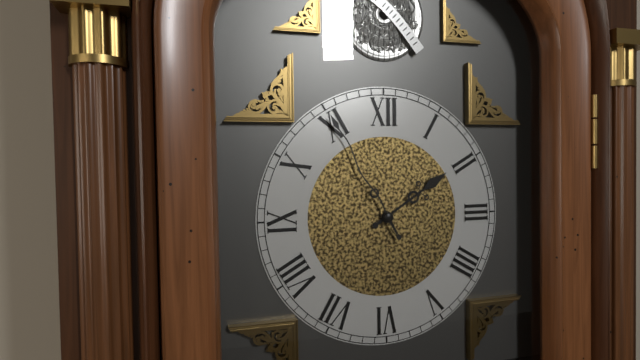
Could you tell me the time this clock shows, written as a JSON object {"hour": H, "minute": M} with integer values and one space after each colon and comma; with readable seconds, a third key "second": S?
{"hour": 1, "minute": 55}
